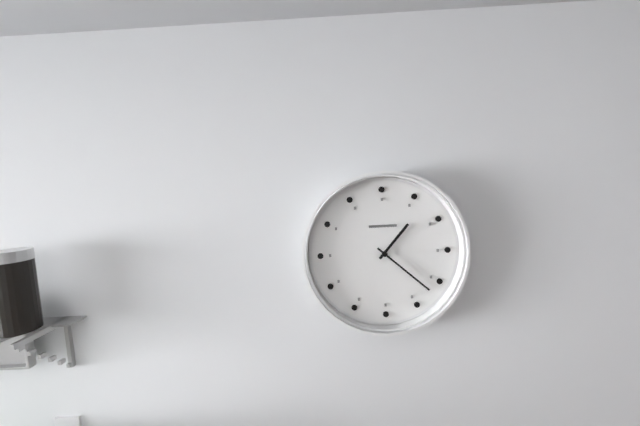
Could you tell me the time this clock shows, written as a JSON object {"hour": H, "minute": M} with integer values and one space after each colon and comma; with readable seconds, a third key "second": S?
{"hour": 1, "minute": 22}
